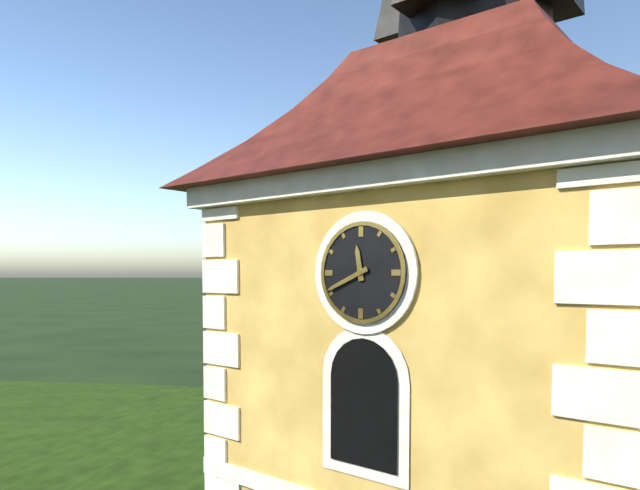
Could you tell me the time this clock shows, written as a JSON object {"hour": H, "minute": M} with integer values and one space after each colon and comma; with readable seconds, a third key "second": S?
{"hour": 11, "minute": 41}
